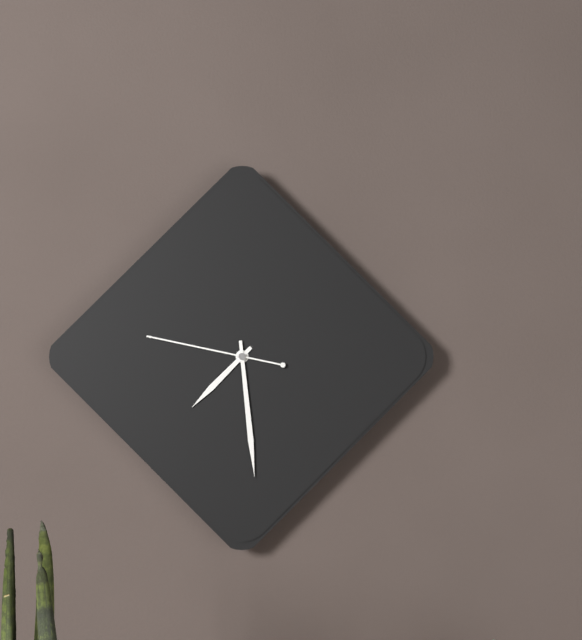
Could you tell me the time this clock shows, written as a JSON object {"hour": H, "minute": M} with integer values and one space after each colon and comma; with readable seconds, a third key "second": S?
{"hour": 7, "minute": 29, "second": 47}
